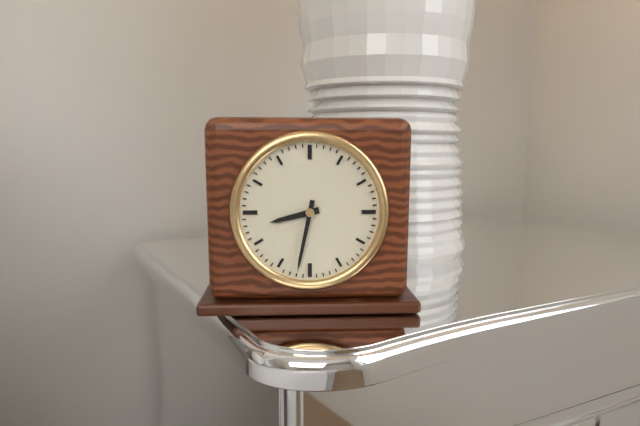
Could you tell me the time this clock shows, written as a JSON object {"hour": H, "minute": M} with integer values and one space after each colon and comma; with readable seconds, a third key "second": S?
{"hour": 8, "minute": 32}
